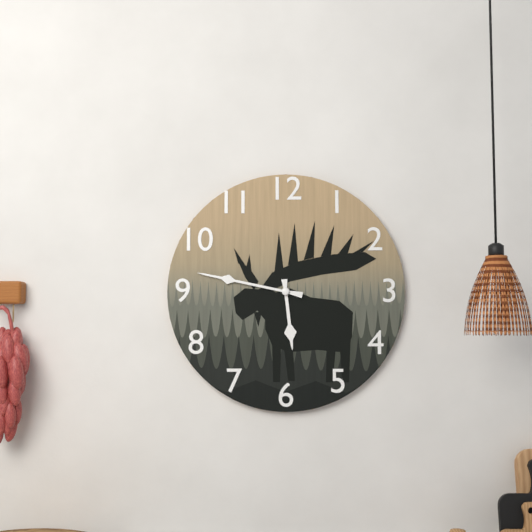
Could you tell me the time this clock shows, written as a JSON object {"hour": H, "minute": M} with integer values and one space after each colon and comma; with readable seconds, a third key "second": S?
{"hour": 5, "minute": 47}
